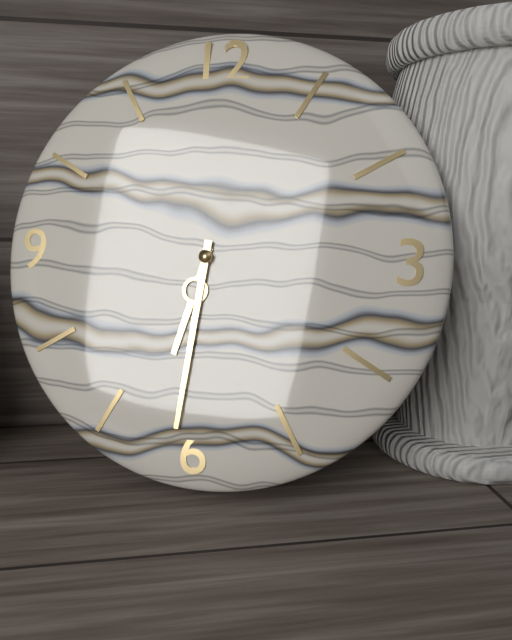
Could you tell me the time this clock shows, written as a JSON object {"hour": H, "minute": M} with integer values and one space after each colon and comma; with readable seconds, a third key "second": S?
{"hour": 6, "minute": 31}
